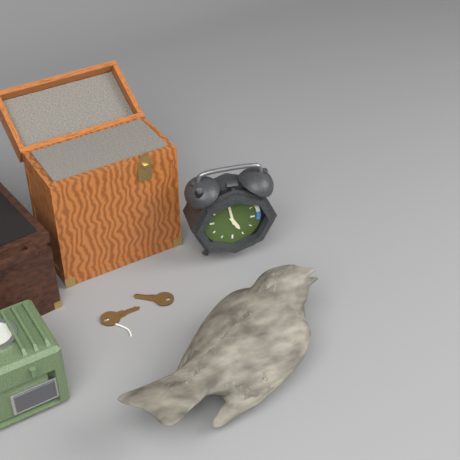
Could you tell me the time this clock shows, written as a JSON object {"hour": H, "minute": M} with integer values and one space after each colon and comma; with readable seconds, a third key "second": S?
{"hour": 4, "minute": 58}
